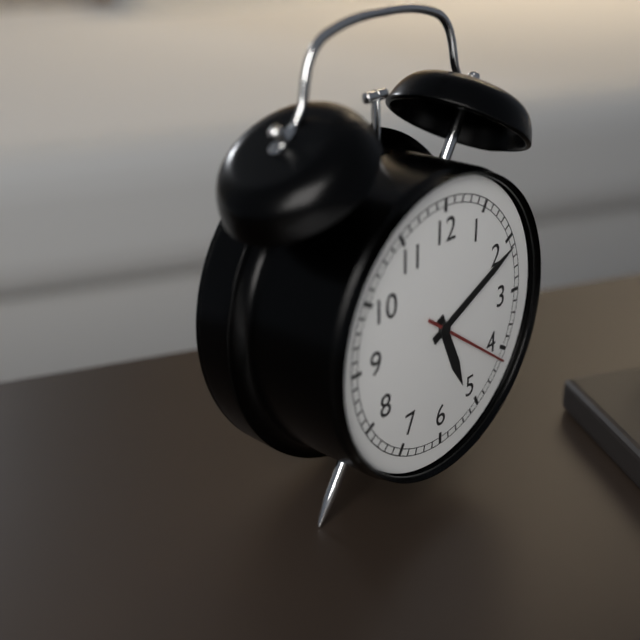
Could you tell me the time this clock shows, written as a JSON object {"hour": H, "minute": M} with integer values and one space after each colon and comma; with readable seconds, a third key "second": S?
{"hour": 5, "minute": 11, "second": 21}
